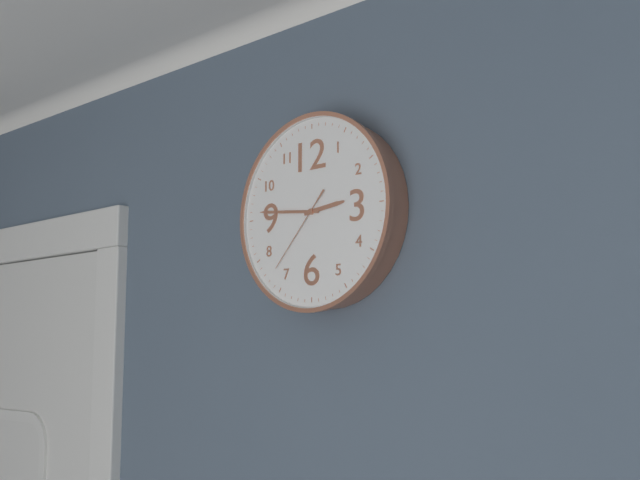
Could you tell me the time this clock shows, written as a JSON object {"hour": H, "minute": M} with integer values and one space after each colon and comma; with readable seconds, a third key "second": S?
{"hour": 2, "minute": 46, "second": 37}
